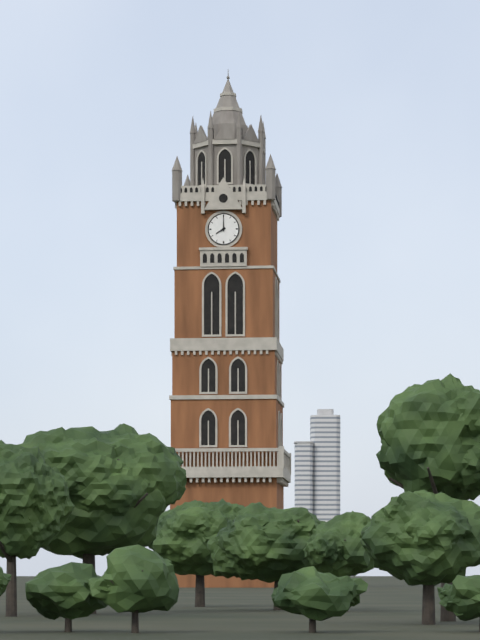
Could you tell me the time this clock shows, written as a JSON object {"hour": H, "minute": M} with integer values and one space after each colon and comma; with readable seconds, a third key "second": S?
{"hour": 8, "minute": 0}
